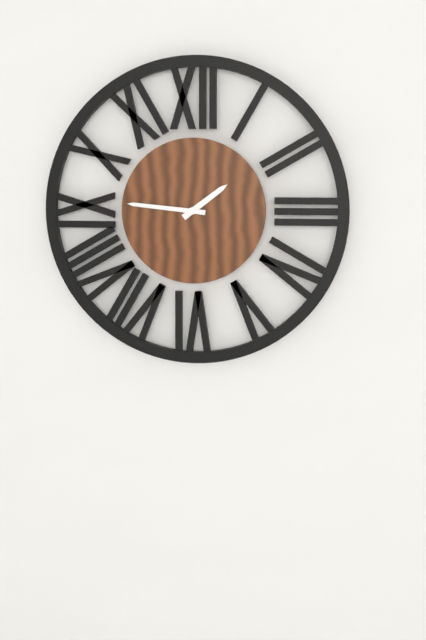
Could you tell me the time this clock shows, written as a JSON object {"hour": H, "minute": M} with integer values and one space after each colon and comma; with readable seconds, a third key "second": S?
{"hour": 1, "minute": 46}
